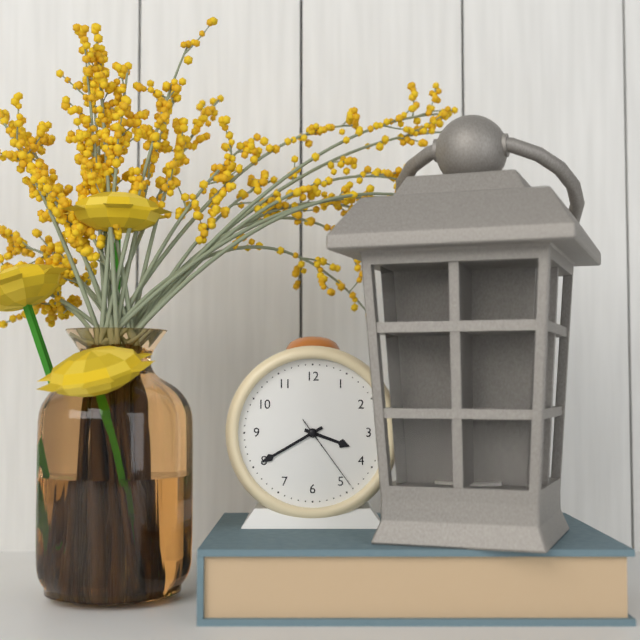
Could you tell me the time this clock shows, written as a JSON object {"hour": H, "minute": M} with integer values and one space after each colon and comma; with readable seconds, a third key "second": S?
{"hour": 3, "minute": 40, "second": 24}
